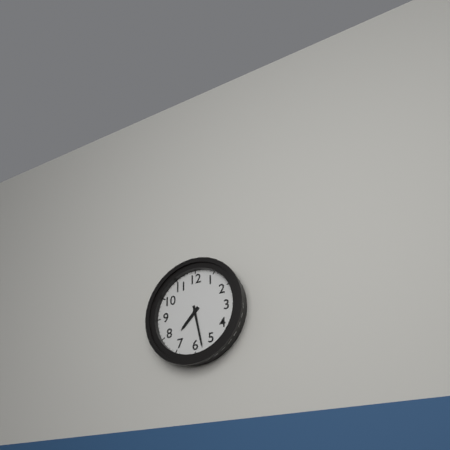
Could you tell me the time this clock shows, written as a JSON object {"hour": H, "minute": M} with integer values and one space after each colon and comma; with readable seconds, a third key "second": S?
{"hour": 7, "minute": 28}
